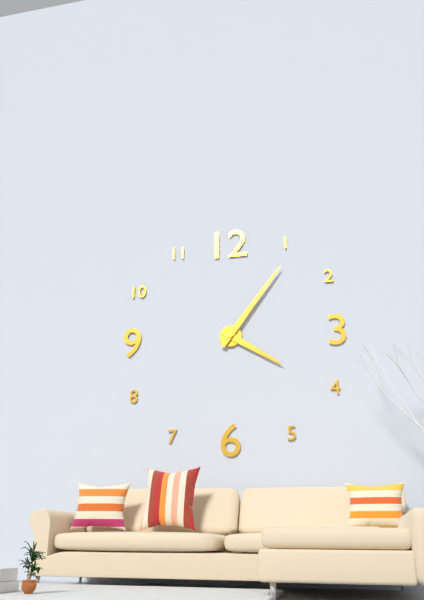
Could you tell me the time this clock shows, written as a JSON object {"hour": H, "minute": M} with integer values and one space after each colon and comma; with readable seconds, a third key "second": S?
{"hour": 4, "minute": 6}
